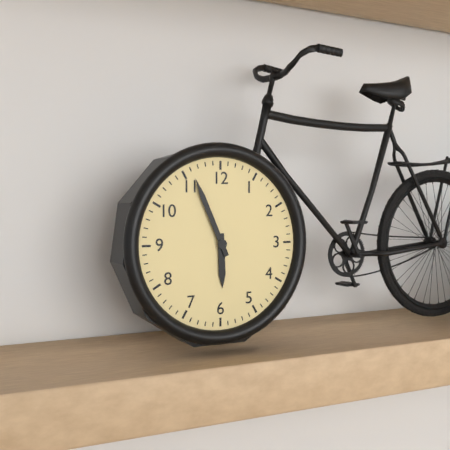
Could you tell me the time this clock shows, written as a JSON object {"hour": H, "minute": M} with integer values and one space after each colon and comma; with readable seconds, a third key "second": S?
{"hour": 5, "minute": 56}
